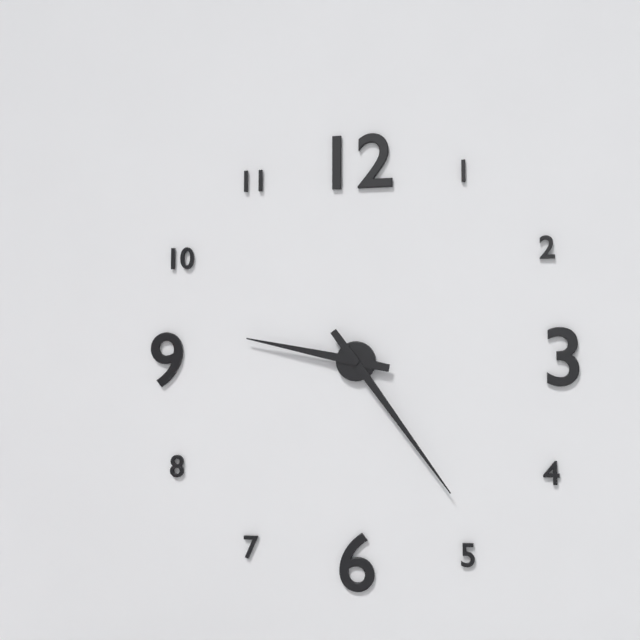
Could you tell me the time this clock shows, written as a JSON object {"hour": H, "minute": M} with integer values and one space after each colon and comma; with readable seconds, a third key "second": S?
{"hour": 9, "minute": 24}
